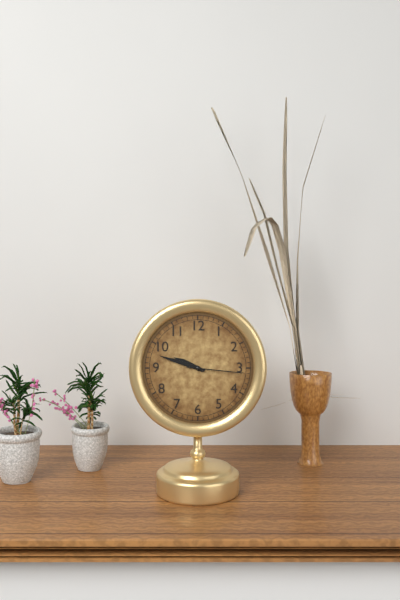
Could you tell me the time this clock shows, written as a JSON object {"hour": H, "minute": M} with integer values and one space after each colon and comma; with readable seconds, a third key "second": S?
{"hour": 9, "minute": 48, "second": 16}
